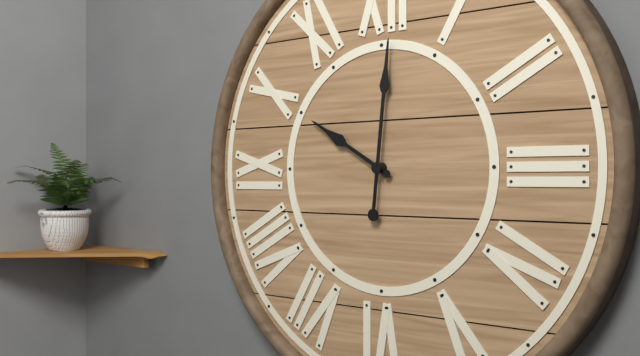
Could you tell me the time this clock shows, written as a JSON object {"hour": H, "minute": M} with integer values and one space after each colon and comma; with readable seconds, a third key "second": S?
{"hour": 10, "minute": 1}
